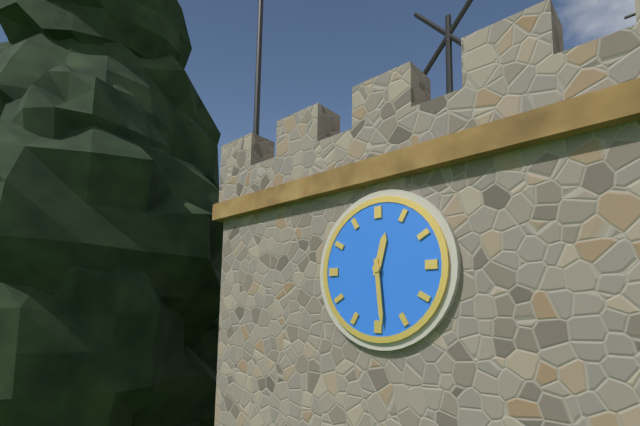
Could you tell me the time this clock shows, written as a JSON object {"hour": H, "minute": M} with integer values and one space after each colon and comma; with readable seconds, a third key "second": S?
{"hour": 12, "minute": 29}
